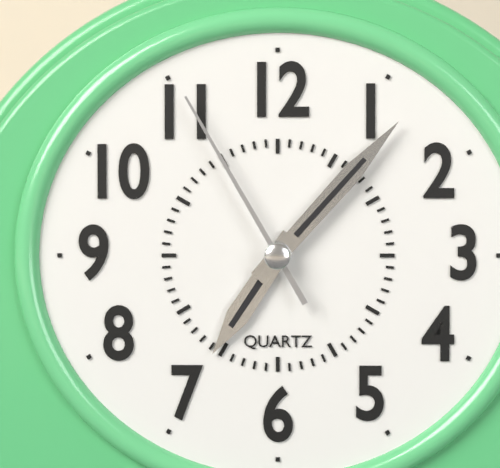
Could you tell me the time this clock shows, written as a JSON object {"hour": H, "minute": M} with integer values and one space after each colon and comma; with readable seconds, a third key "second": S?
{"hour": 7, "minute": 7, "second": 55}
